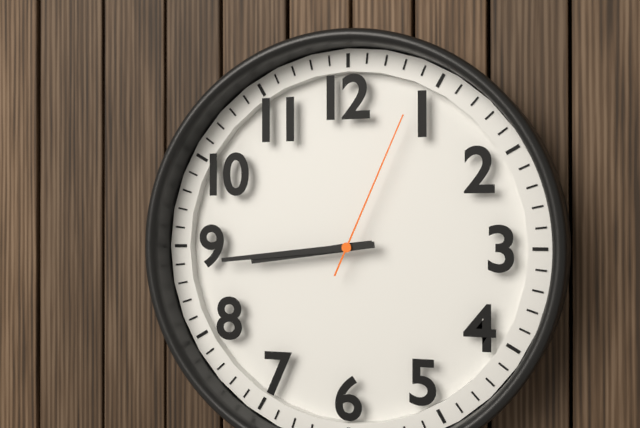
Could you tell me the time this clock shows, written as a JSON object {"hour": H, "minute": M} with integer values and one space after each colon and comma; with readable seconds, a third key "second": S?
{"hour": 8, "minute": 44, "second": 4}
